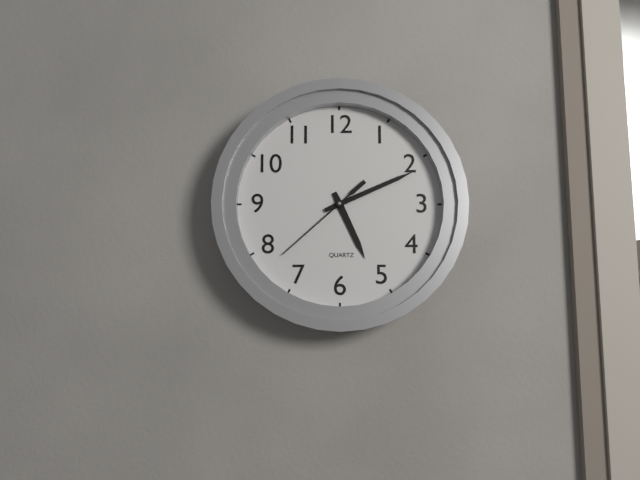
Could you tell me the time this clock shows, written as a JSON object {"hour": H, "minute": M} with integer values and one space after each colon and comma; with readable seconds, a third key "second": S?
{"hour": 5, "minute": 11, "second": 38}
